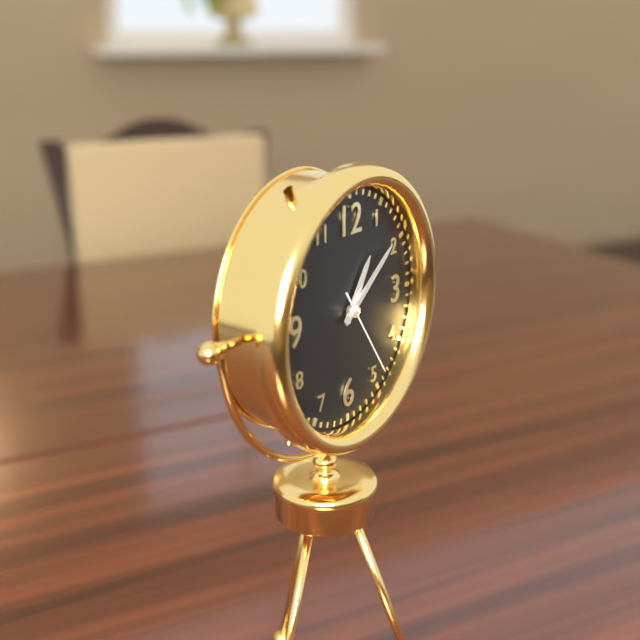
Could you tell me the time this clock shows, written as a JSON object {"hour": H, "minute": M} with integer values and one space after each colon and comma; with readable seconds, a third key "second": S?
{"hour": 1, "minute": 9, "second": 24}
